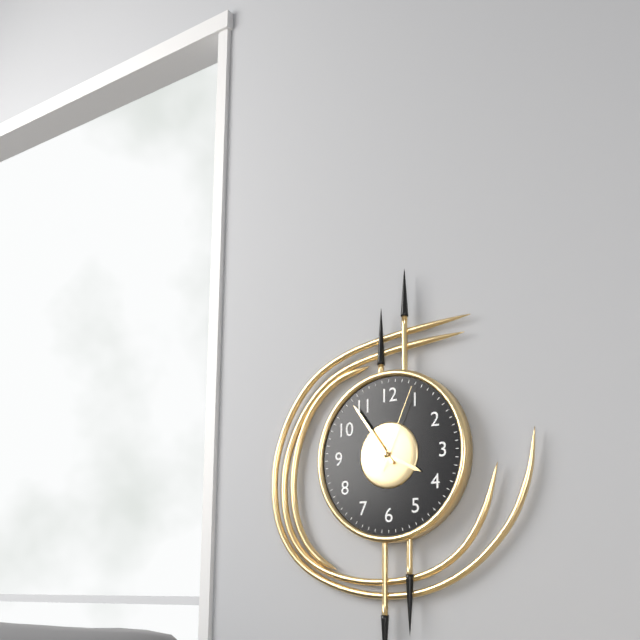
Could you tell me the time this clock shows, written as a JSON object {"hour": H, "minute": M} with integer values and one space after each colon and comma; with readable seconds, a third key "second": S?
{"hour": 3, "minute": 54, "second": 4}
